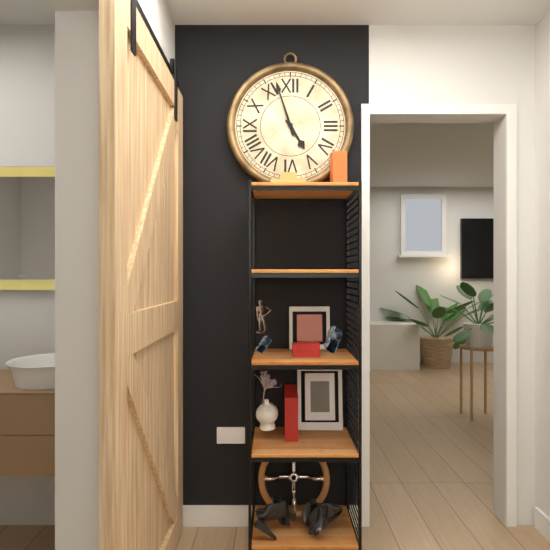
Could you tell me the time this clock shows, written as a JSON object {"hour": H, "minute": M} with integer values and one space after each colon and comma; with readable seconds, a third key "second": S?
{"hour": 4, "minute": 57}
